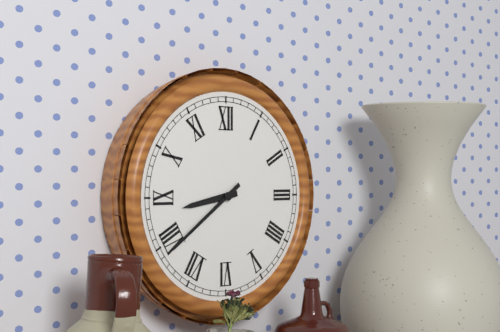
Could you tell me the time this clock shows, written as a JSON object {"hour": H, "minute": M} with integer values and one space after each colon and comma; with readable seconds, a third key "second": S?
{"hour": 8, "minute": 39}
